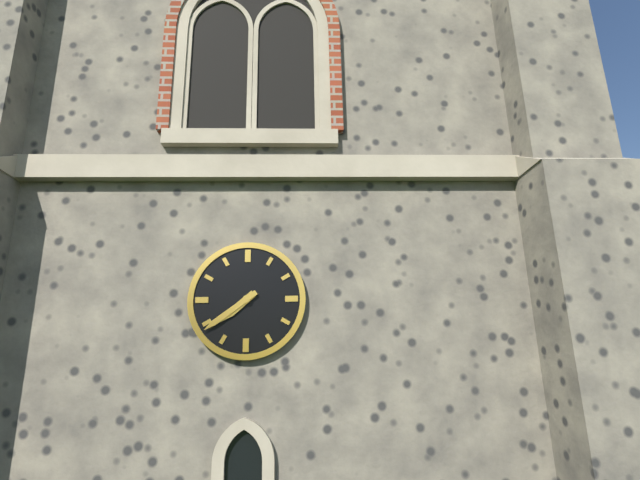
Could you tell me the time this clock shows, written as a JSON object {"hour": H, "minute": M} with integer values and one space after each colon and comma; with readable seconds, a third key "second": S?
{"hour": 7, "minute": 39}
